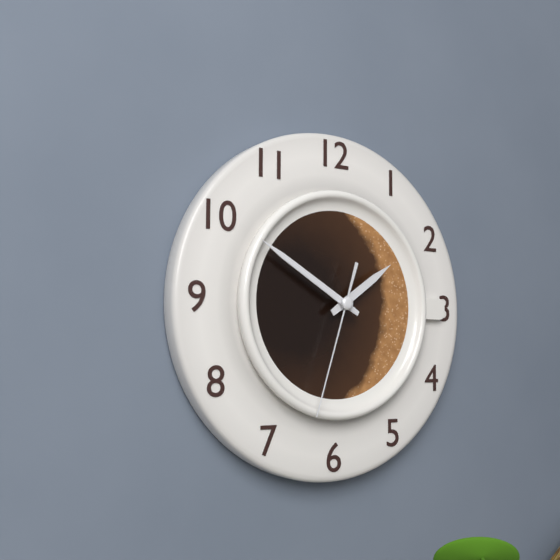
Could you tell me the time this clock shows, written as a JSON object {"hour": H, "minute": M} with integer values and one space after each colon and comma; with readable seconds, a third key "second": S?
{"hour": 1, "minute": 50, "second": 33}
